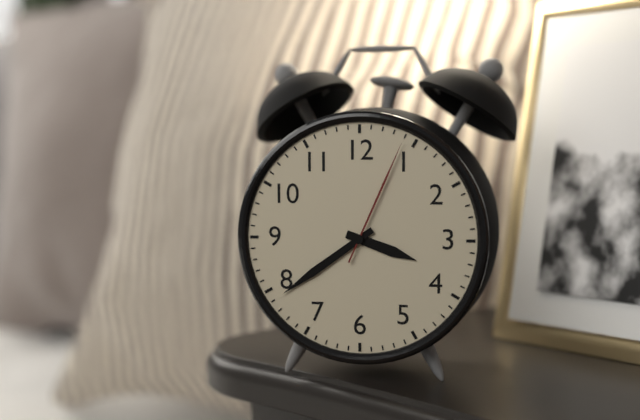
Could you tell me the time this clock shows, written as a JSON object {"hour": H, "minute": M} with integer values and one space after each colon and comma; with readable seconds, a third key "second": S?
{"hour": 3, "minute": 39, "second": 4}
